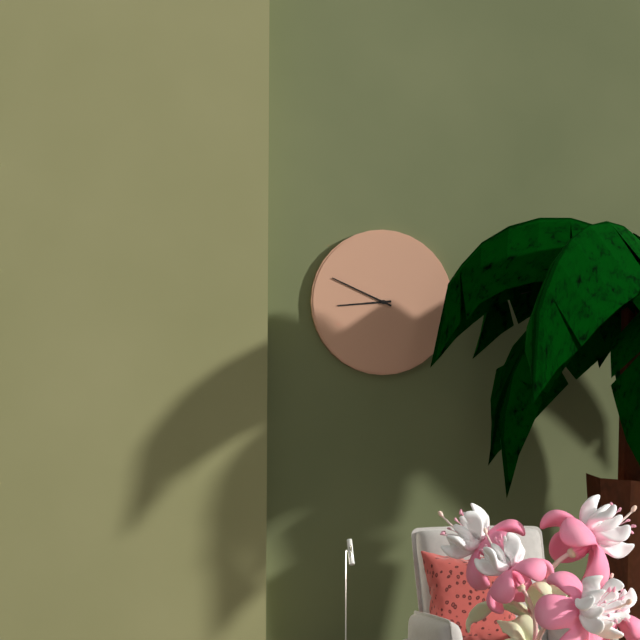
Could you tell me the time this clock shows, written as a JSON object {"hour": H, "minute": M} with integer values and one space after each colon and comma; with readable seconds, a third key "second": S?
{"hour": 8, "minute": 49}
